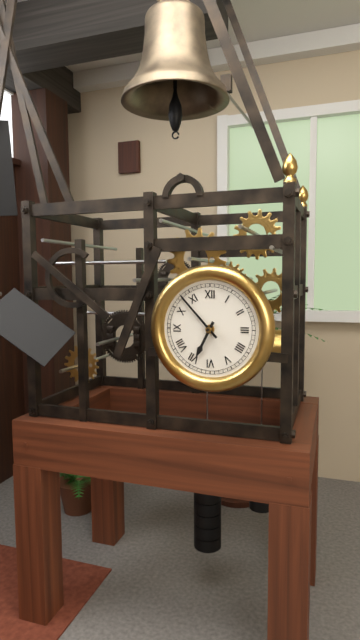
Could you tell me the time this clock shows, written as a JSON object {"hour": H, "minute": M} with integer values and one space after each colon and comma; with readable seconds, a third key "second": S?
{"hour": 6, "minute": 53}
